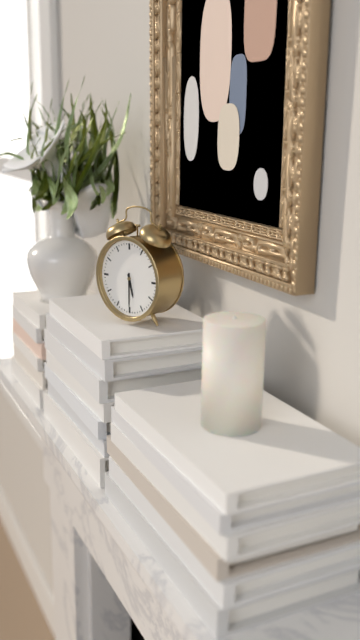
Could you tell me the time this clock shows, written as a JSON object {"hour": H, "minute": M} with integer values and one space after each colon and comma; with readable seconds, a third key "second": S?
{"hour": 5, "minute": 30}
